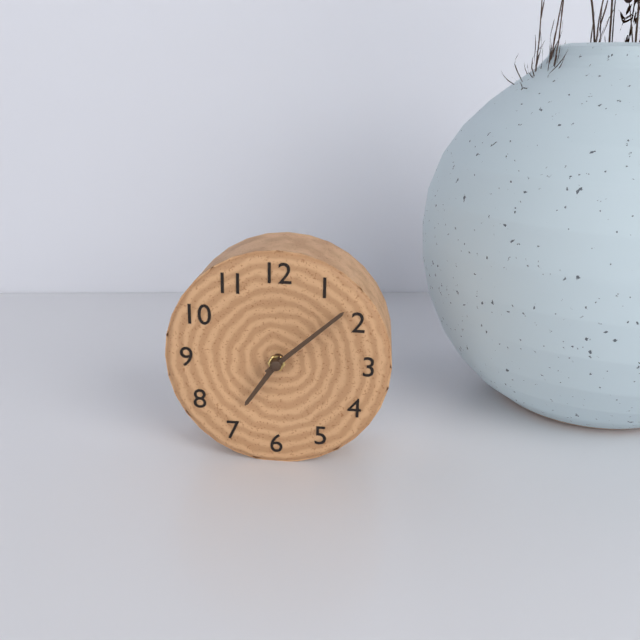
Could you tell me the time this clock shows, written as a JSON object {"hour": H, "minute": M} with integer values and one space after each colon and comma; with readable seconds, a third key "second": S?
{"hour": 7, "minute": 8}
